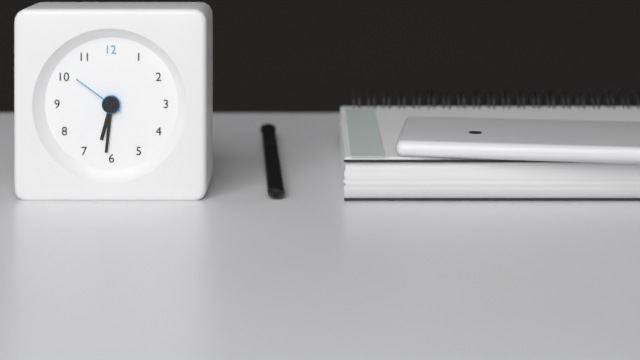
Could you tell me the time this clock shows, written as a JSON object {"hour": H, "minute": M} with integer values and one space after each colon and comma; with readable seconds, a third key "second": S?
{"hour": 6, "minute": 31, "second": 51}
